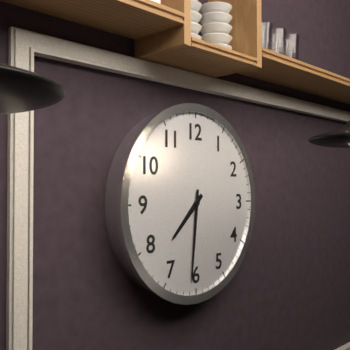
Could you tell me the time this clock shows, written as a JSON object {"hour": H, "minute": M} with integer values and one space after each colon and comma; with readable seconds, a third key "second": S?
{"hour": 7, "minute": 31}
